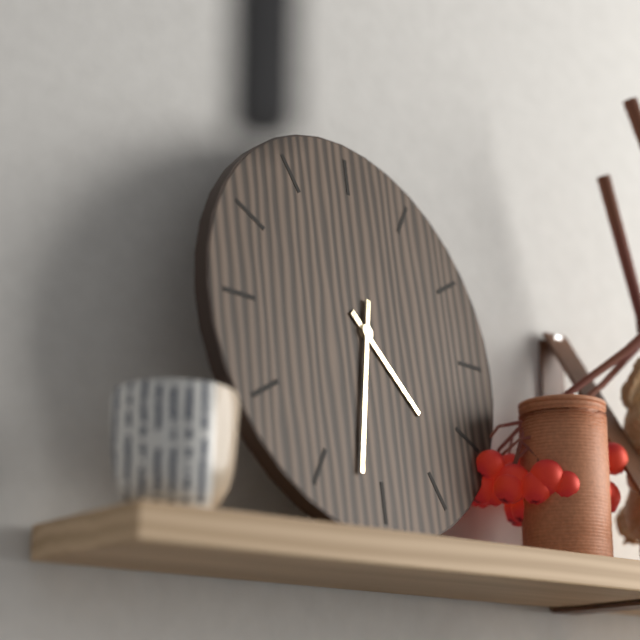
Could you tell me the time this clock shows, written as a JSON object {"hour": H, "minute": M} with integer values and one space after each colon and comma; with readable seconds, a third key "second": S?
{"hour": 4, "minute": 32}
